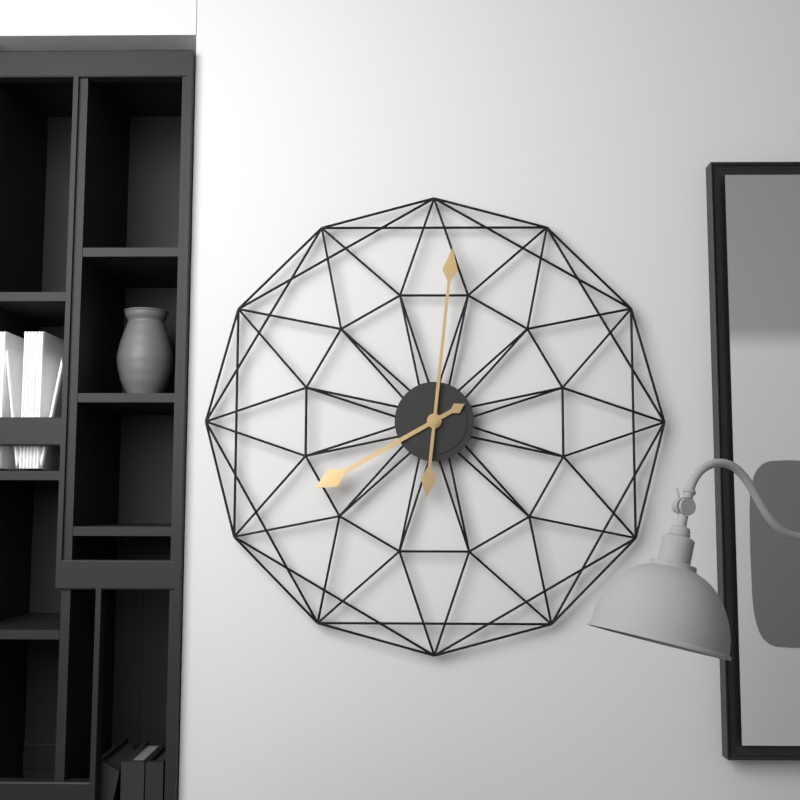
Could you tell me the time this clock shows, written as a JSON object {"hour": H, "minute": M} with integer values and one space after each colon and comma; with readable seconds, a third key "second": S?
{"hour": 8, "minute": 1}
